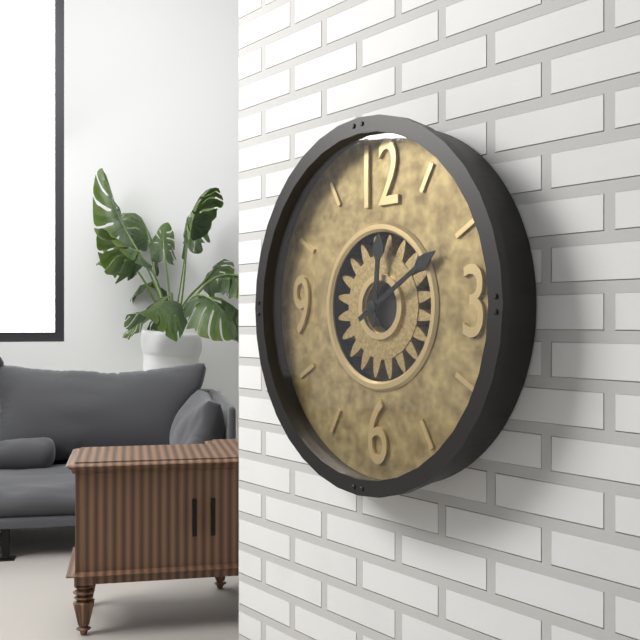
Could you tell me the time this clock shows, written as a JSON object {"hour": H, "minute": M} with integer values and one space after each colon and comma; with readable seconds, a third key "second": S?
{"hour": 12, "minute": 10}
